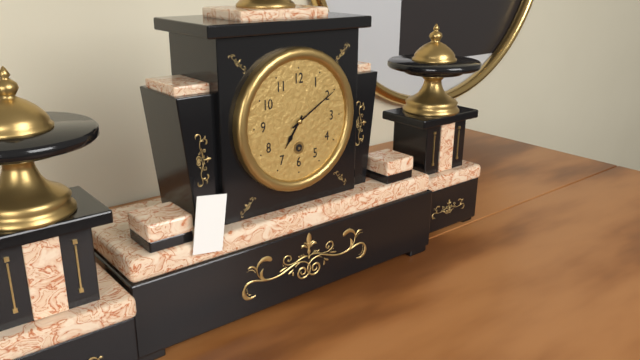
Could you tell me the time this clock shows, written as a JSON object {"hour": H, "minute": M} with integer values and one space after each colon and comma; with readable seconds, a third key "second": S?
{"hour": 7, "minute": 10}
